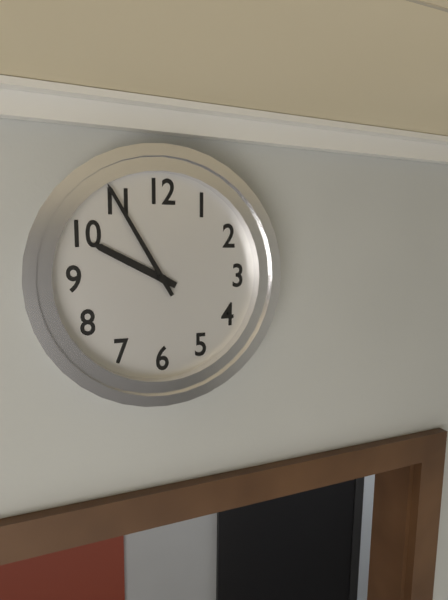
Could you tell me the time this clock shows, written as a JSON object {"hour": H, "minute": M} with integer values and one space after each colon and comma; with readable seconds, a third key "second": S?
{"hour": 9, "minute": 55}
